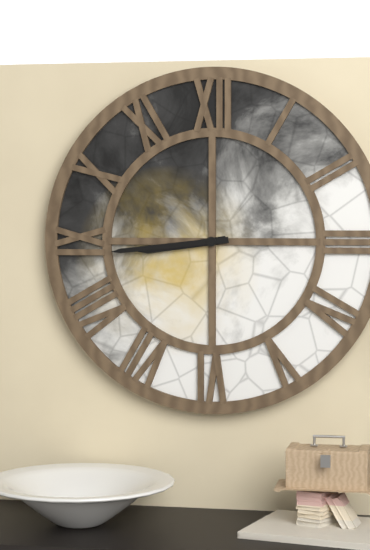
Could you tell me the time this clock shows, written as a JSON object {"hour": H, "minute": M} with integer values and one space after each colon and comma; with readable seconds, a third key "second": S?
{"hour": 8, "minute": 44}
